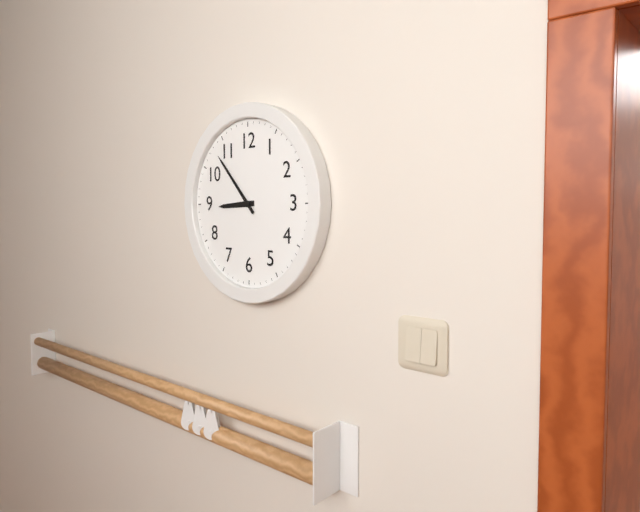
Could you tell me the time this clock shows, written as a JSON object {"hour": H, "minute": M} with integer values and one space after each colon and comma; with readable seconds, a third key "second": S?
{"hour": 8, "minute": 53}
